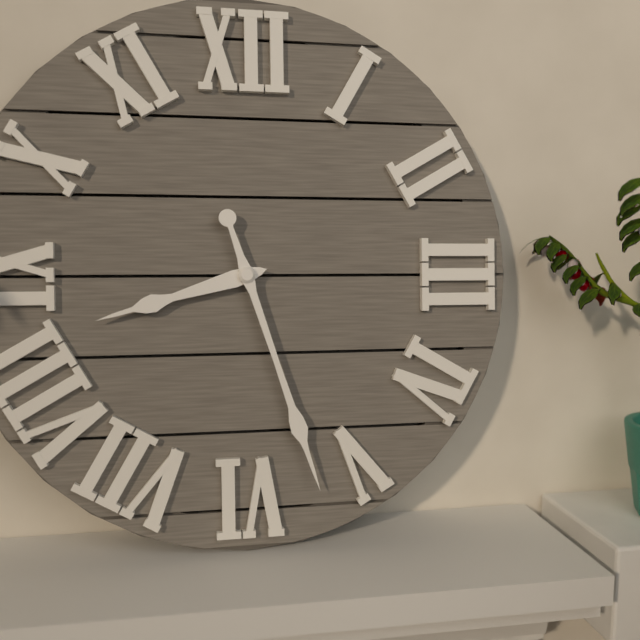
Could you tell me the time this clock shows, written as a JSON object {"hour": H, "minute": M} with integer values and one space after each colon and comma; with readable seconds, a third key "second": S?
{"hour": 8, "minute": 27}
